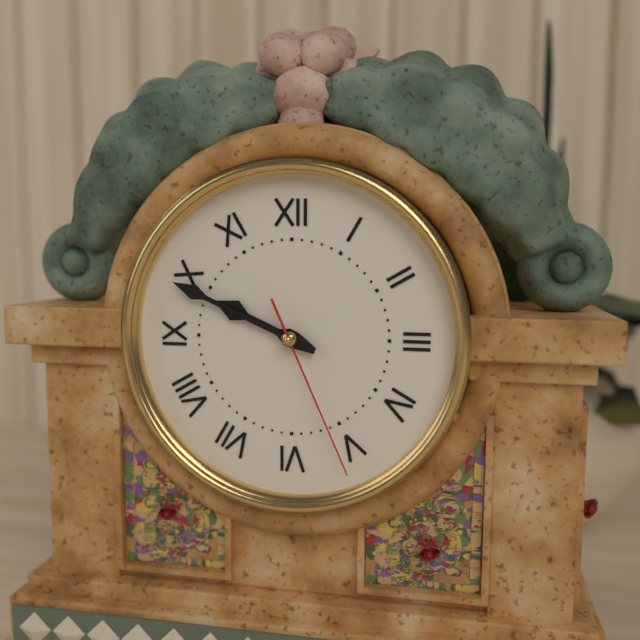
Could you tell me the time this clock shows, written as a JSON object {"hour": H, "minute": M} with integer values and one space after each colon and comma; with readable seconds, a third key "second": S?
{"hour": 9, "minute": 49, "second": 26}
